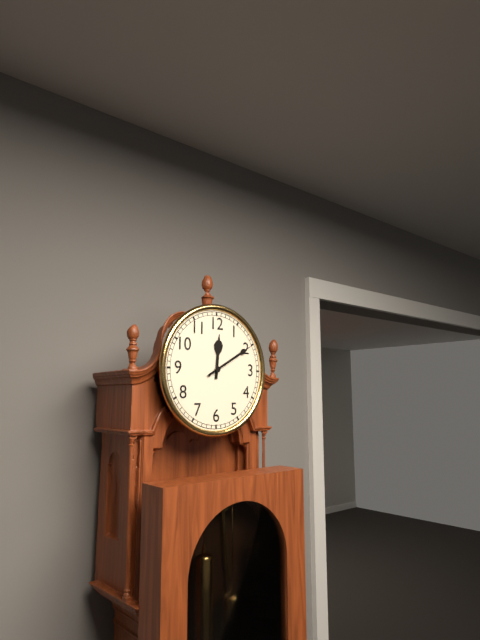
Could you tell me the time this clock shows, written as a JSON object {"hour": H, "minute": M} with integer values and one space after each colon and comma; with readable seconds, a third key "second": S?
{"hour": 12, "minute": 10}
